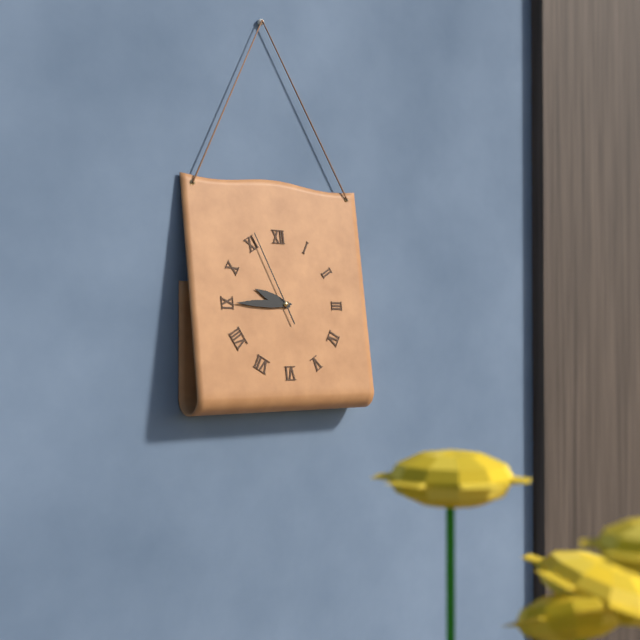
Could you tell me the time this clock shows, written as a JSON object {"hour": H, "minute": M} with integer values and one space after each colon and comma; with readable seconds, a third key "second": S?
{"hour": 9, "minute": 45, "second": 56}
